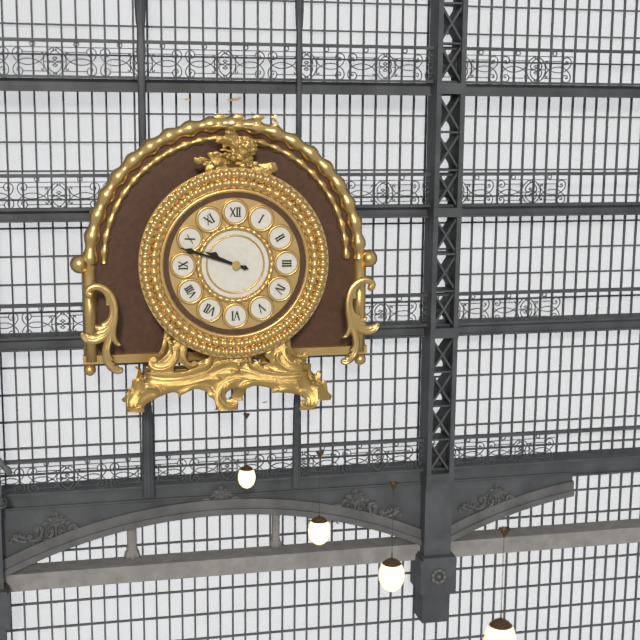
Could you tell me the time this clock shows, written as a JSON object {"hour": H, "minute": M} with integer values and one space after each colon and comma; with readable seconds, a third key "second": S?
{"hour": 9, "minute": 48}
